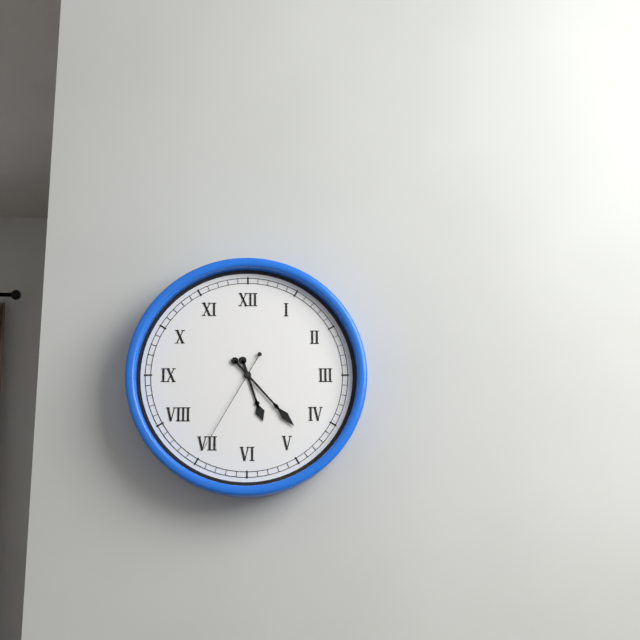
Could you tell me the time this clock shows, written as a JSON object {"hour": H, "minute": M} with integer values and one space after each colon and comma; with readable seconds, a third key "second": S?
{"hour": 5, "minute": 23, "second": 35}
